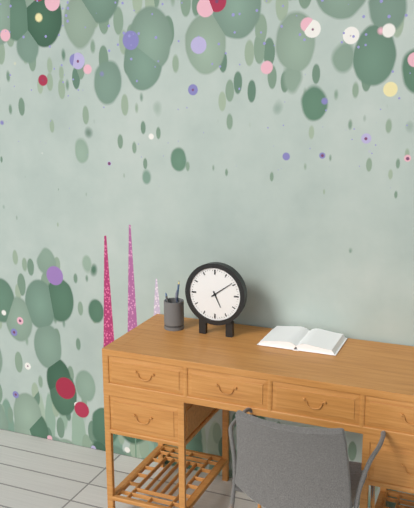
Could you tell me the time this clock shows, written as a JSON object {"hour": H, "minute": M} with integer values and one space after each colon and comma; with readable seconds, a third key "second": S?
{"hour": 5, "minute": 9}
